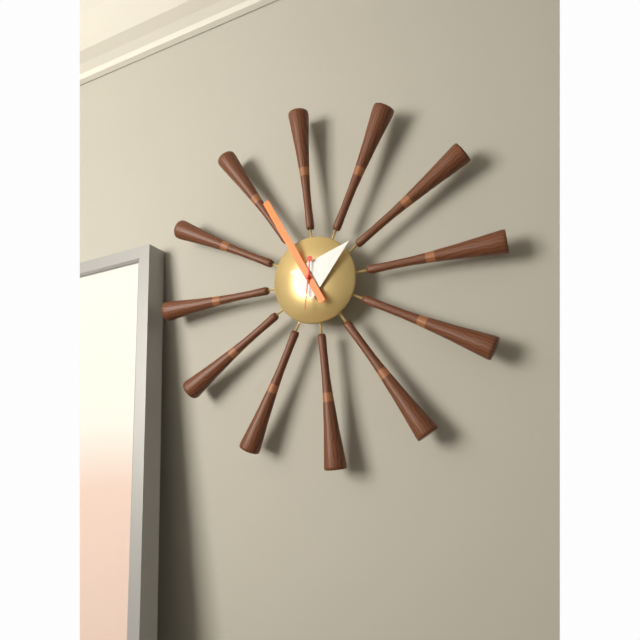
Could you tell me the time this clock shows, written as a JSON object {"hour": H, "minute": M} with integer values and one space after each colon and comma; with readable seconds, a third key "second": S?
{"hour": 1, "minute": 56}
